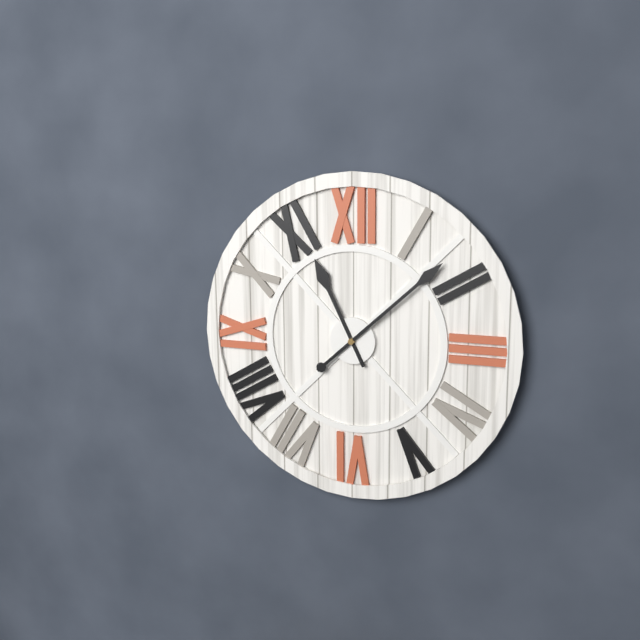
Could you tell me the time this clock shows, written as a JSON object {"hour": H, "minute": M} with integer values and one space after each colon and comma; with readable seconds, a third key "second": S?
{"hour": 11, "minute": 8}
